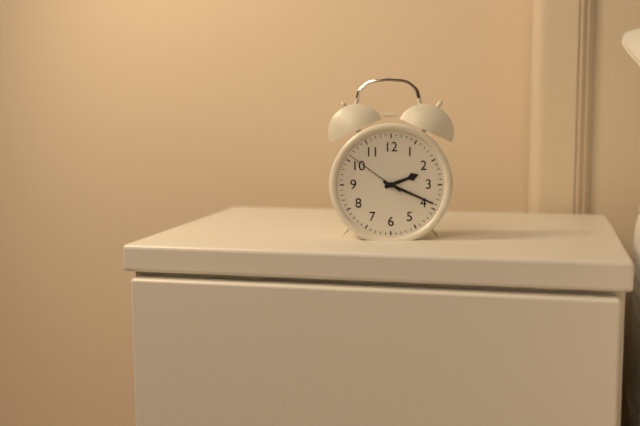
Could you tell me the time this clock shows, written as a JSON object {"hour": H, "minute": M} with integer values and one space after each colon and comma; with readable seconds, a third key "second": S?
{"hour": 2, "minute": 19, "second": 51}
